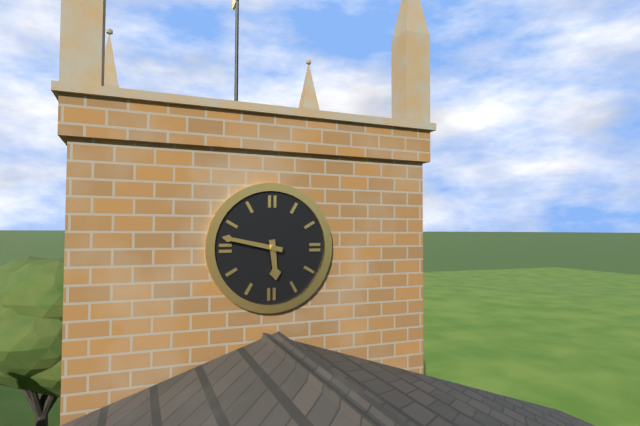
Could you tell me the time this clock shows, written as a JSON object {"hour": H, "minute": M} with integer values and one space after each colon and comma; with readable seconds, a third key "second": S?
{"hour": 5, "minute": 47}
